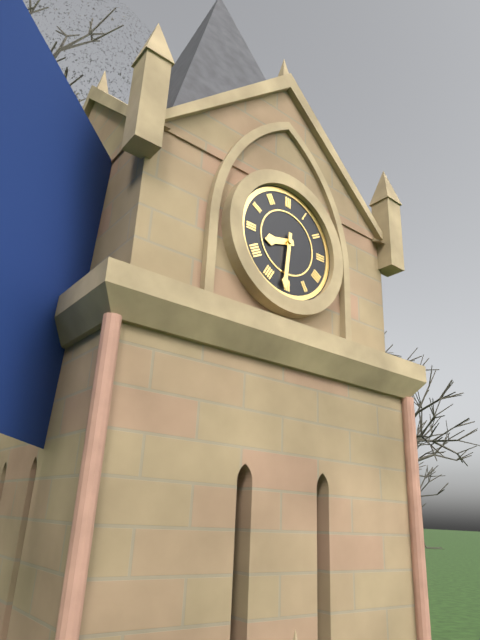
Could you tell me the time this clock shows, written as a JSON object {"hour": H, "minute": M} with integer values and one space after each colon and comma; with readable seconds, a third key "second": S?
{"hour": 8, "minute": 31}
